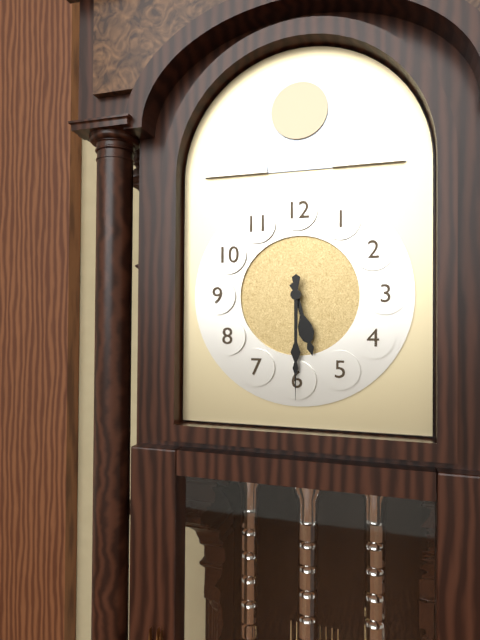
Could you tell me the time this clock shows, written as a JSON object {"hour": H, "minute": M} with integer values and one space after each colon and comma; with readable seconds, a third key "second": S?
{"hour": 5, "minute": 30}
